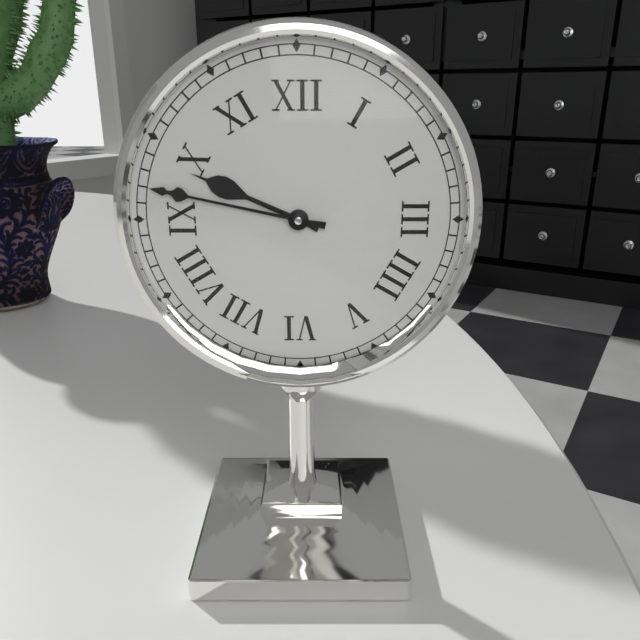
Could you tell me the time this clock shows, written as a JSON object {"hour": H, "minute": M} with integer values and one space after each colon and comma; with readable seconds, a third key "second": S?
{"hour": 9, "minute": 47}
